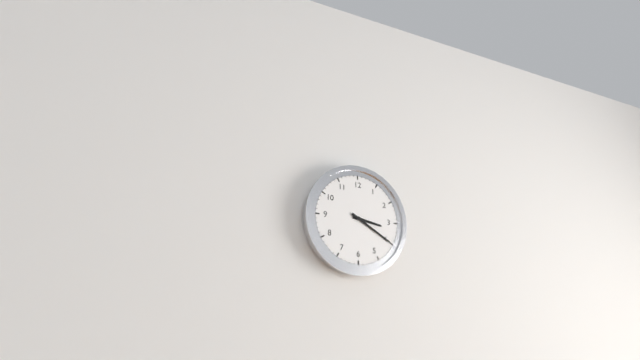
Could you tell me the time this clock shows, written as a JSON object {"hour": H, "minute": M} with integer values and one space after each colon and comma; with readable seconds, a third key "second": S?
{"hour": 3, "minute": 20}
